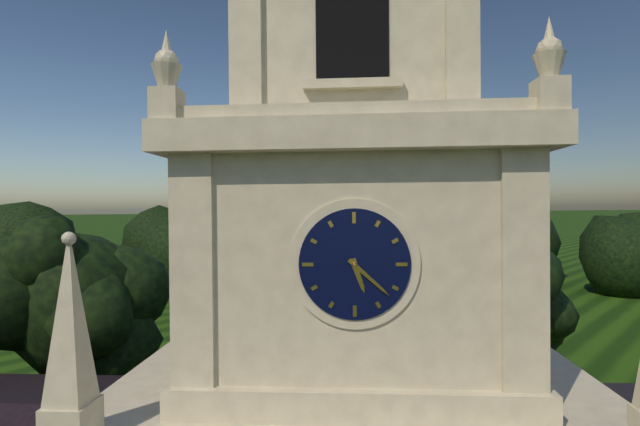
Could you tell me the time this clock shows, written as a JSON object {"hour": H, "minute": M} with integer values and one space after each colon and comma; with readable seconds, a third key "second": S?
{"hour": 5, "minute": 22}
